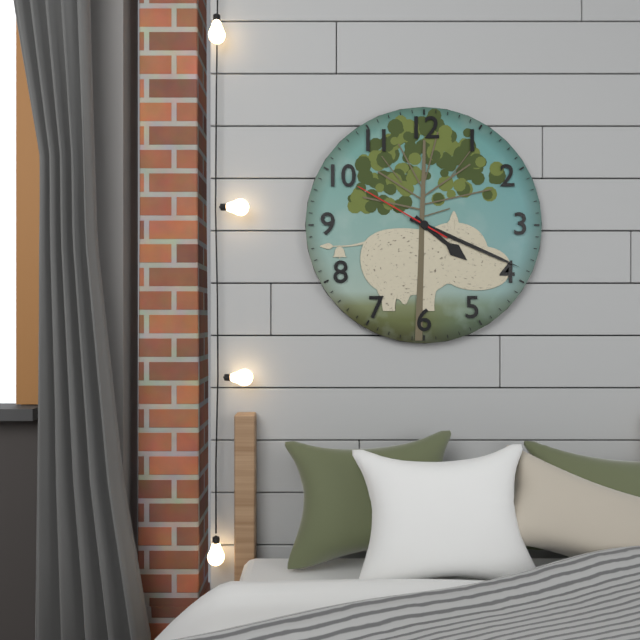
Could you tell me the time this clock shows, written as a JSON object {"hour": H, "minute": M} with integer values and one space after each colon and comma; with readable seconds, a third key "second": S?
{"hour": 4, "minute": 19, "second": 50}
